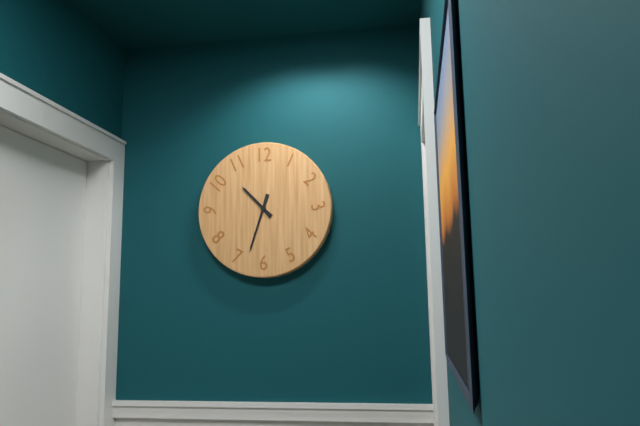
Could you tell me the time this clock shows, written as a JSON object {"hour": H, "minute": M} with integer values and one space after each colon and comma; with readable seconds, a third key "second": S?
{"hour": 10, "minute": 33}
